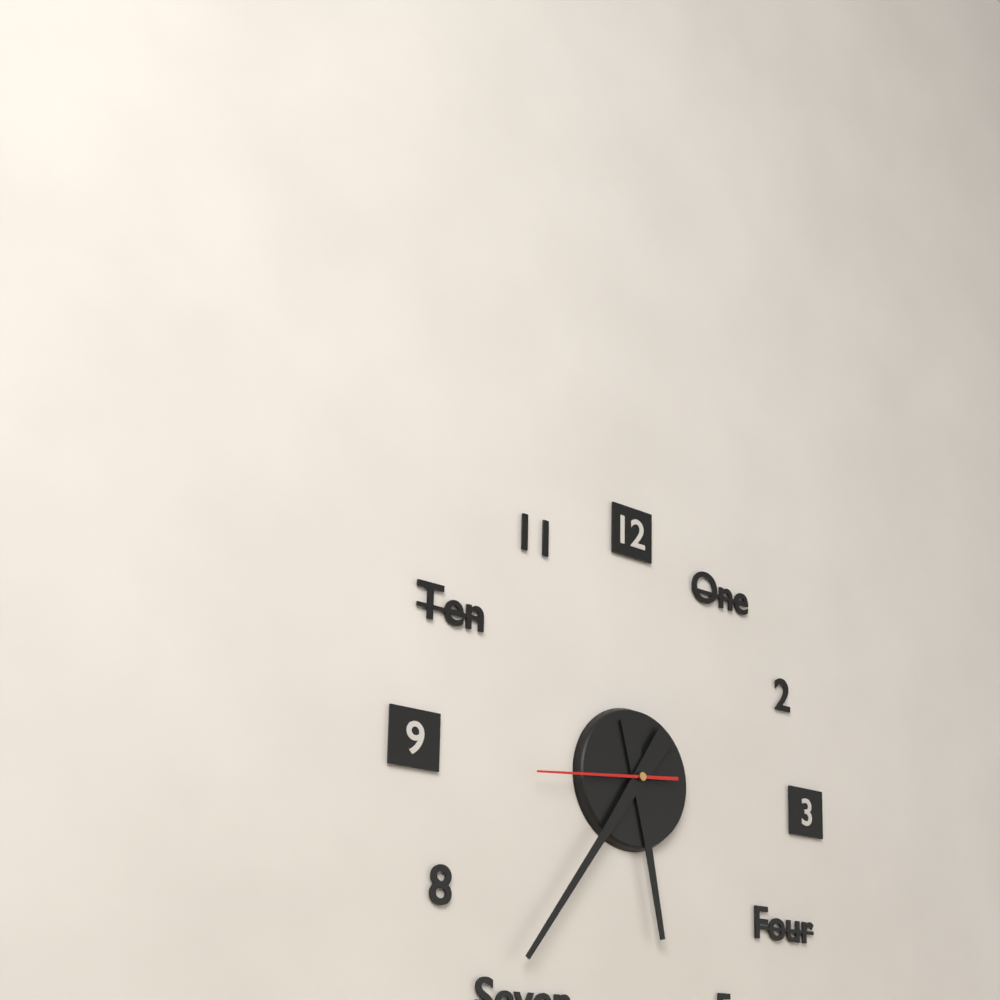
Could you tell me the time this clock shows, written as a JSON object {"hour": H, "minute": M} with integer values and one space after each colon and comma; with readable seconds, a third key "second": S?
{"hour": 5, "minute": 36, "second": 44}
